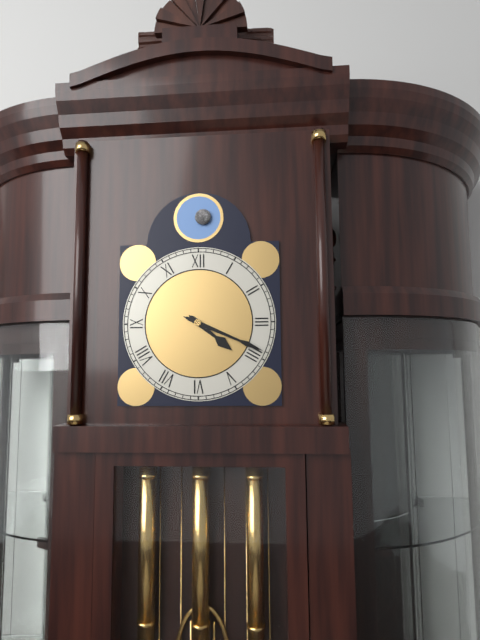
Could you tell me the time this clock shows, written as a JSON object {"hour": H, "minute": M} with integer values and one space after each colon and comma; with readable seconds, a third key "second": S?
{"hour": 4, "minute": 19}
